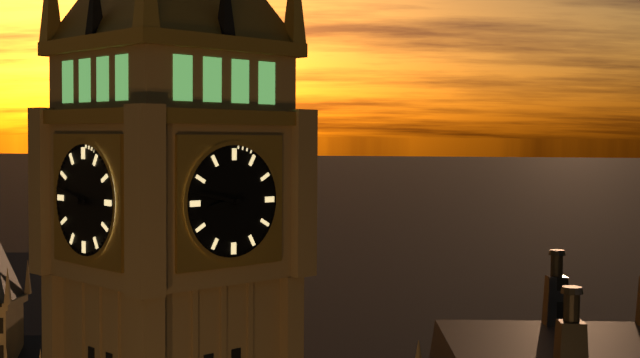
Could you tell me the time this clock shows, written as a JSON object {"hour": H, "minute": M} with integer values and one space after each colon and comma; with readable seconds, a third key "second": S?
{"hour": 8, "minute": 47}
